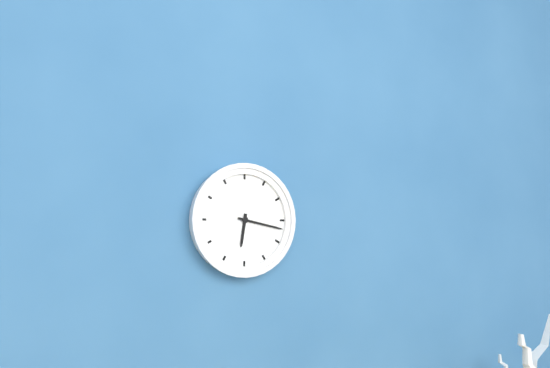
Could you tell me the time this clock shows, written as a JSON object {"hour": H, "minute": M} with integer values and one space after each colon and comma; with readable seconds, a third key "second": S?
{"hour": 6, "minute": 17}
